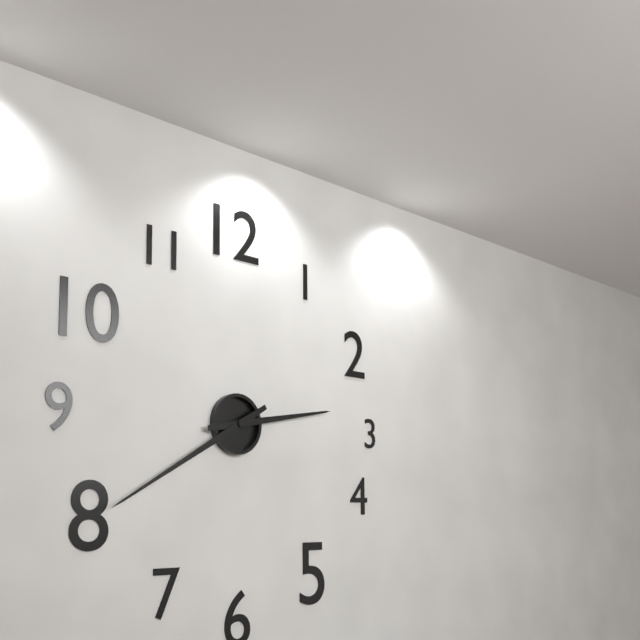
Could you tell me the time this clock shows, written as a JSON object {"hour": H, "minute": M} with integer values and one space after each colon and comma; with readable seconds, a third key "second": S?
{"hour": 2, "minute": 40}
